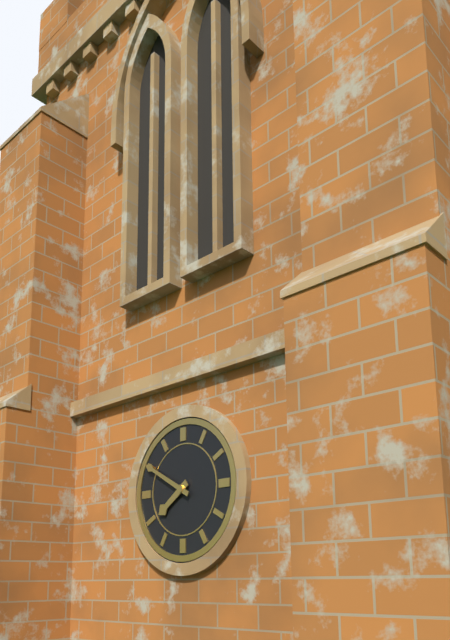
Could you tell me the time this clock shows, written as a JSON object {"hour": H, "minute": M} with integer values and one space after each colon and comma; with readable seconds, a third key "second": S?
{"hour": 7, "minute": 50}
